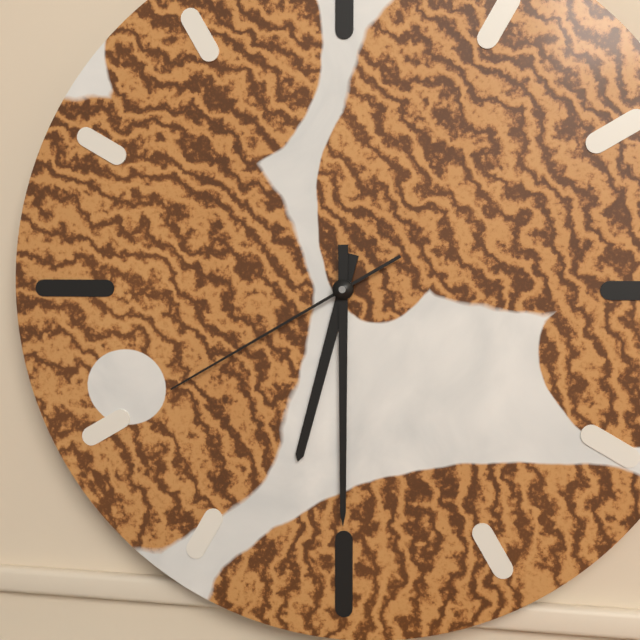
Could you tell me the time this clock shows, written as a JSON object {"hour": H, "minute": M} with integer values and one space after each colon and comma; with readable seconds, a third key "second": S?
{"hour": 6, "minute": 30, "second": 40}
